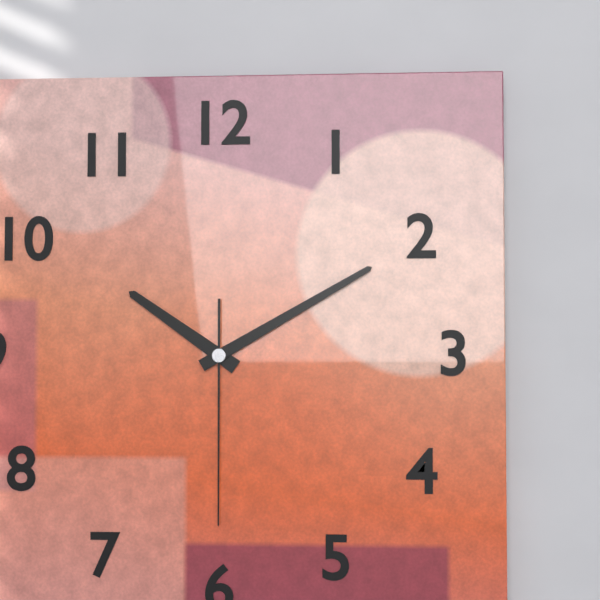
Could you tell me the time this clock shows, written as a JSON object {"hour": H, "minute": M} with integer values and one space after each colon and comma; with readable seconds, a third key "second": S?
{"hour": 10, "minute": 10, "second": 30}
